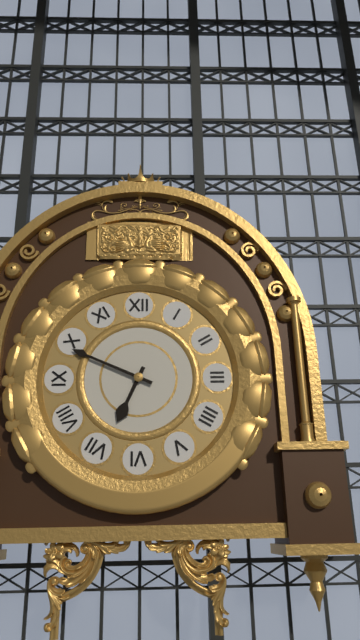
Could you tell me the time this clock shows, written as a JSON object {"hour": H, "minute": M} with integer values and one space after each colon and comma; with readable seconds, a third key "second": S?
{"hour": 6, "minute": 49}
